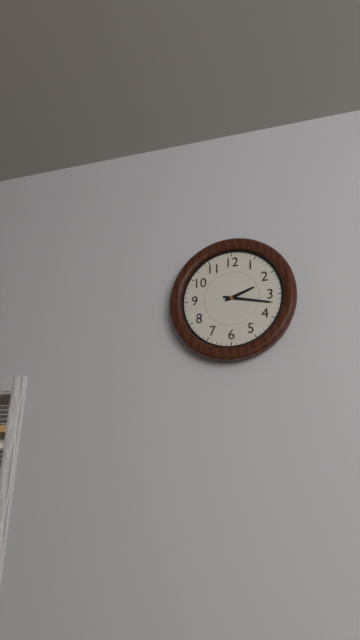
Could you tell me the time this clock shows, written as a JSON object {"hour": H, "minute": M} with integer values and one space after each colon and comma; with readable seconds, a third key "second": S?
{"hour": 2, "minute": 17}
